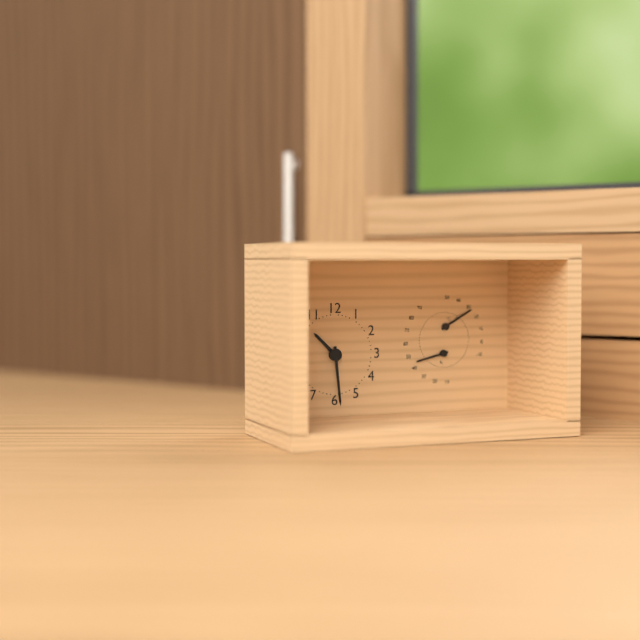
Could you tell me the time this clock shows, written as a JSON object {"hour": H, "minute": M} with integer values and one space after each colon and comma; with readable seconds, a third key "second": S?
{"hour": 10, "minute": 29}
